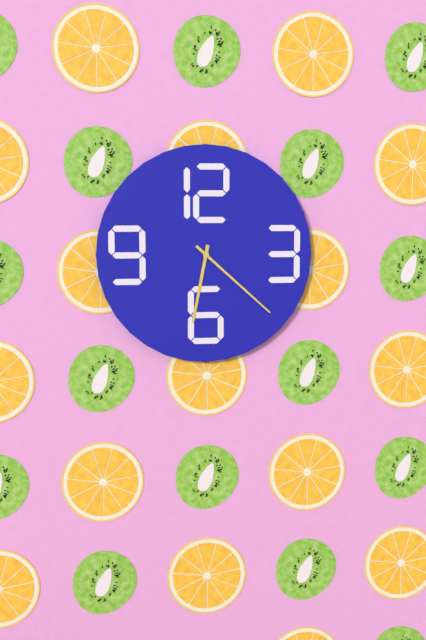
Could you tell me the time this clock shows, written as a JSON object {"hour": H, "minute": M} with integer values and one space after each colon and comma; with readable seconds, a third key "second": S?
{"hour": 6, "minute": 22}
